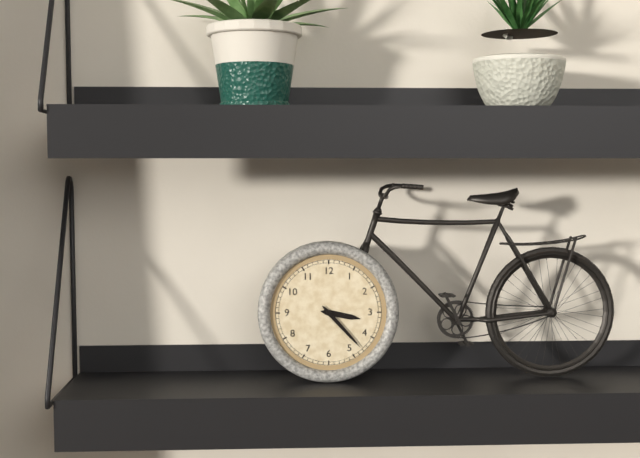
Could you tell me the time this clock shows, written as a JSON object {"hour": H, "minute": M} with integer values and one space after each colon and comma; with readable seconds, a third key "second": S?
{"hour": 3, "minute": 23}
